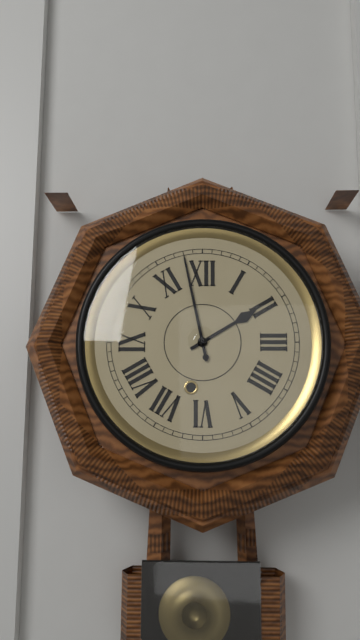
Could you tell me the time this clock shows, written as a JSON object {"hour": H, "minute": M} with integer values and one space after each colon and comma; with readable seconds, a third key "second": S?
{"hour": 1, "minute": 58}
